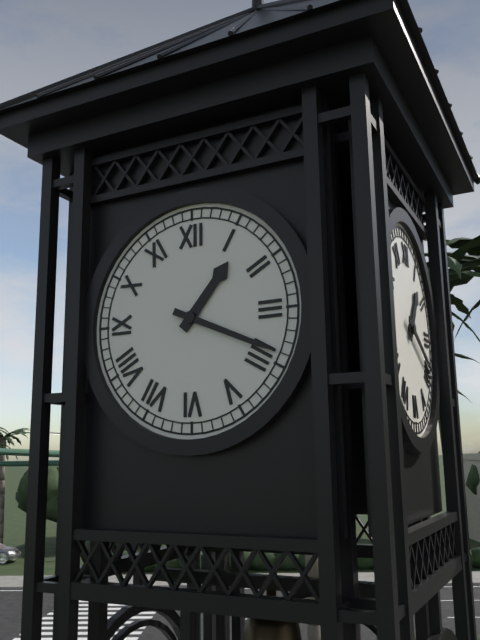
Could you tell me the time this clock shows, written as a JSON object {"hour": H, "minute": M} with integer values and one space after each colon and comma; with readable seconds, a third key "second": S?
{"hour": 1, "minute": 19}
